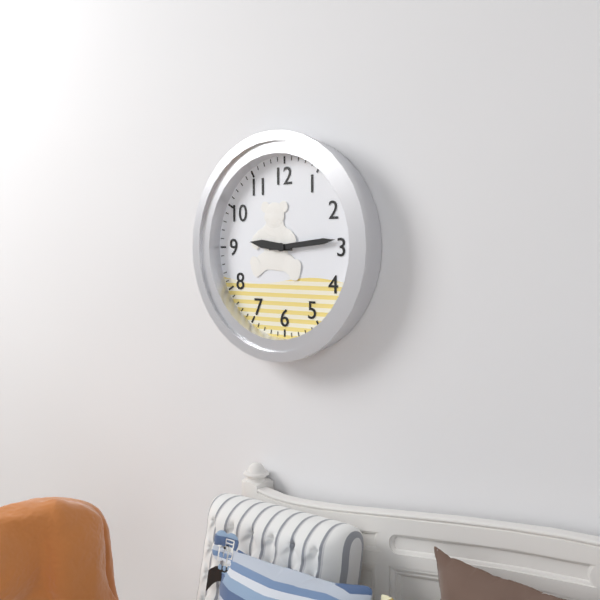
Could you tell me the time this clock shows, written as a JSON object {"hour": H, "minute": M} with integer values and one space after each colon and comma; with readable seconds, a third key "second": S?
{"hour": 9, "minute": 14}
